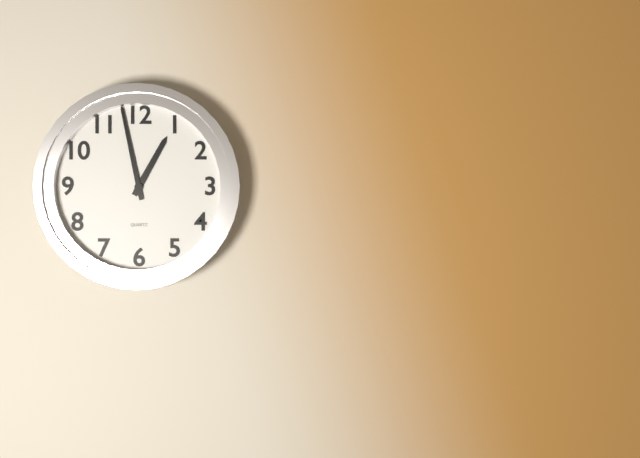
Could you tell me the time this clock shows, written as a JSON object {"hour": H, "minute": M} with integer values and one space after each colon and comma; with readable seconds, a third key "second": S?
{"hour": 12, "minute": 58}
